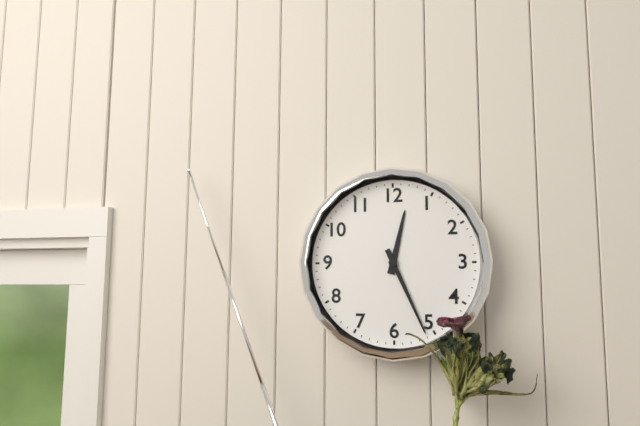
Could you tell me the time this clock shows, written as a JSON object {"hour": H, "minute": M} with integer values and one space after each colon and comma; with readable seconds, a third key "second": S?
{"hour": 12, "minute": 26}
